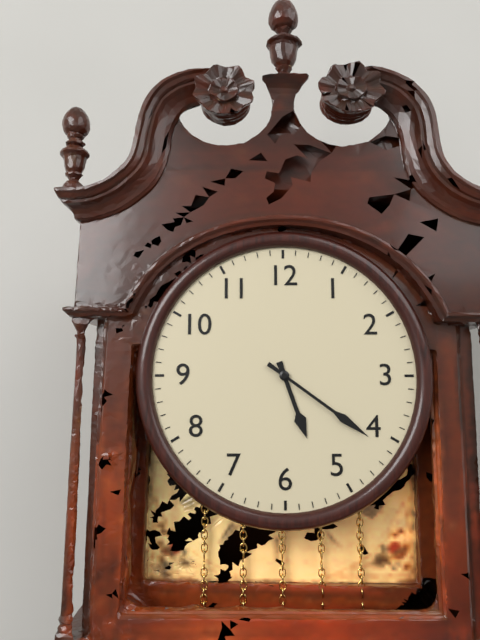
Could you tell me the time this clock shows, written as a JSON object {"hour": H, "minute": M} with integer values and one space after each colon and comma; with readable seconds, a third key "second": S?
{"hour": 5, "minute": 21}
